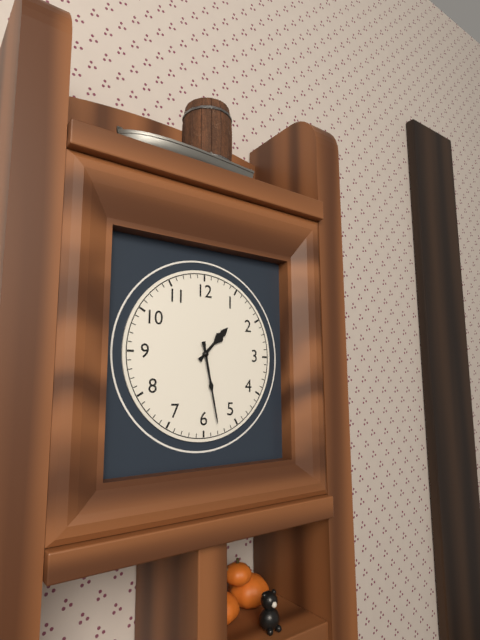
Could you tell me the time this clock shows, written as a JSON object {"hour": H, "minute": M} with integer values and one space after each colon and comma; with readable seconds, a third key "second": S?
{"hour": 1, "minute": 28}
